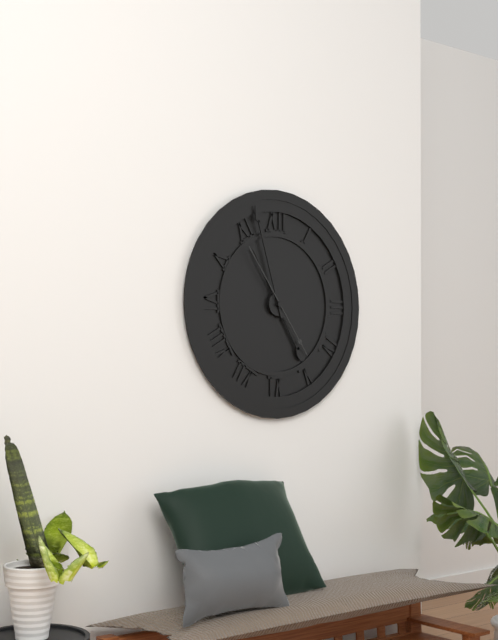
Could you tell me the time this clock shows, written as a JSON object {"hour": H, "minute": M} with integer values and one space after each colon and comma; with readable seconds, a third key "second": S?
{"hour": 4, "minute": 57, "second": 54}
